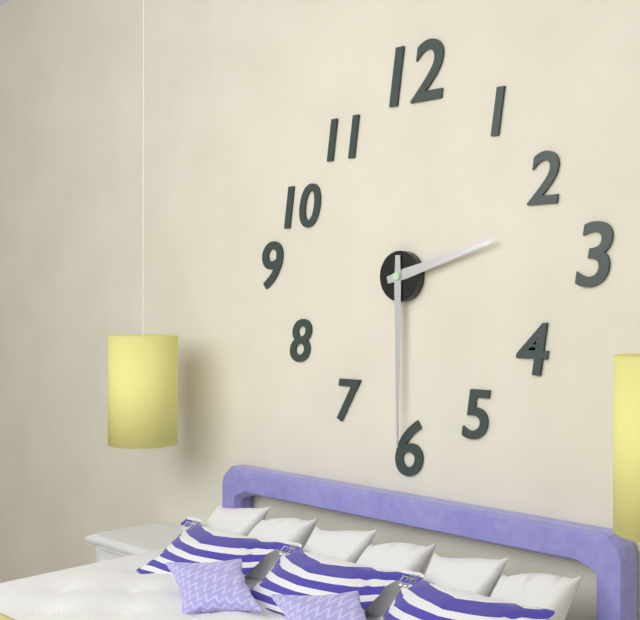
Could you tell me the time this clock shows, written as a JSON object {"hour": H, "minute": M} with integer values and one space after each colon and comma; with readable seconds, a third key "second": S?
{"hour": 2, "minute": 30}
